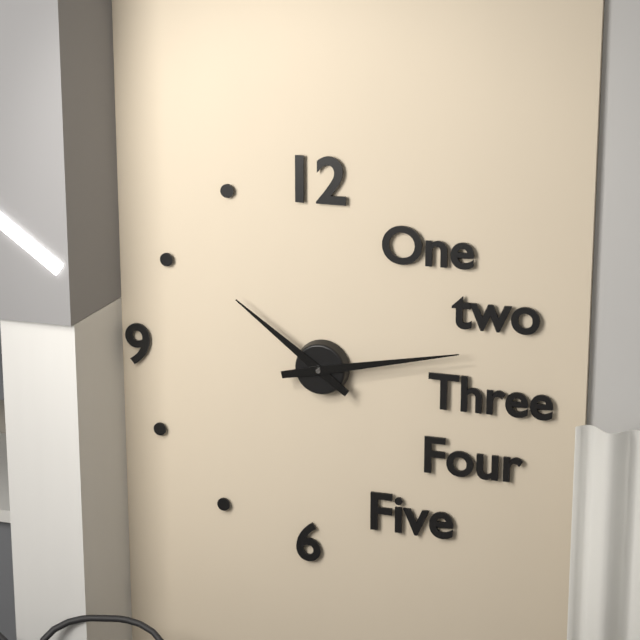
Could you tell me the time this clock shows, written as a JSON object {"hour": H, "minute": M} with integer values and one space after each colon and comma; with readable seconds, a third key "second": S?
{"hour": 10, "minute": 13}
